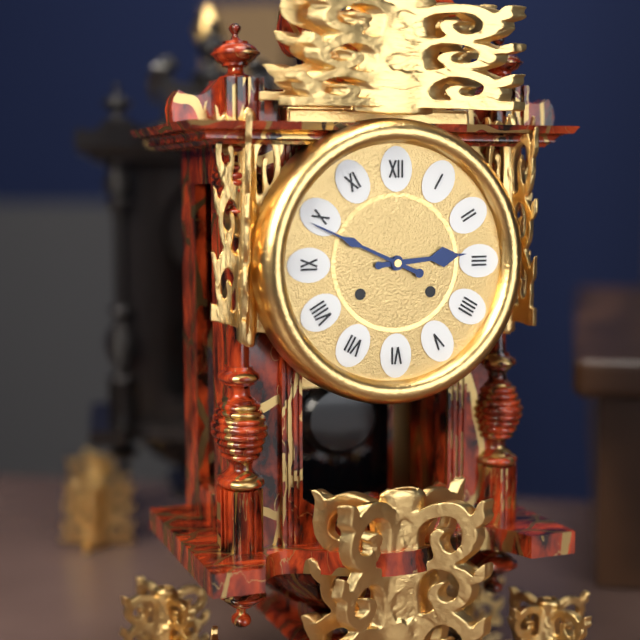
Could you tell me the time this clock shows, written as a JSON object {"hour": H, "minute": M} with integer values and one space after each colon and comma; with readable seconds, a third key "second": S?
{"hour": 2, "minute": 49}
